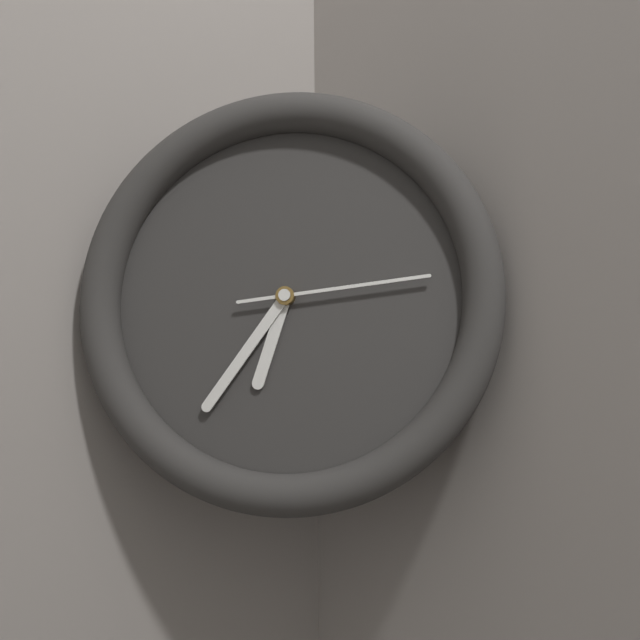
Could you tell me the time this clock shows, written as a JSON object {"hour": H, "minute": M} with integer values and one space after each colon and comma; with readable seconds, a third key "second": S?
{"hour": 6, "minute": 36, "second": 14}
